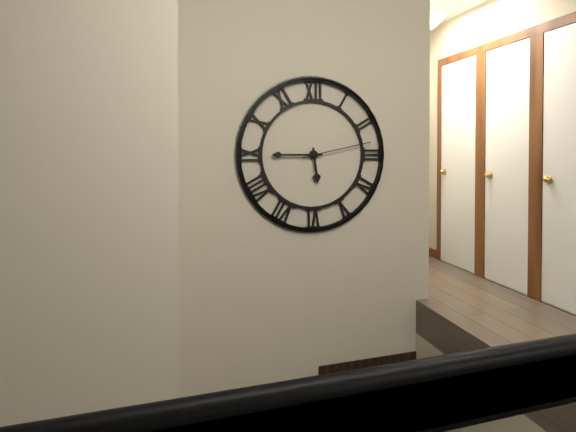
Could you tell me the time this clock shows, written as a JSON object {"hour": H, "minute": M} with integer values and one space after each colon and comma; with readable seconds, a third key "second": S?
{"hour": 5, "minute": 45, "second": 13}
